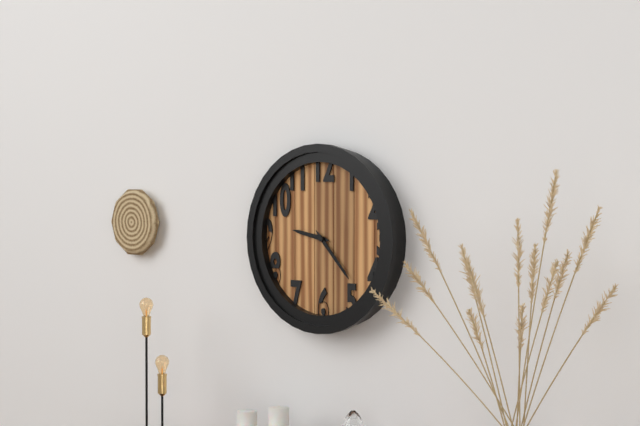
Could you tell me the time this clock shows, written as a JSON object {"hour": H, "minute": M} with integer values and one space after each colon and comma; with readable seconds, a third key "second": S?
{"hour": 9, "minute": 23}
